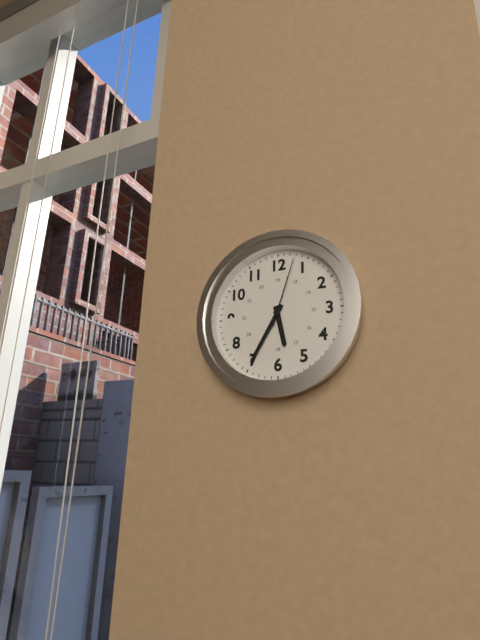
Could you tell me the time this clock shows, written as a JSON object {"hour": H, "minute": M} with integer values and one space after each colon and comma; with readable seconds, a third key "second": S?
{"hour": 5, "minute": 35, "second": 3}
